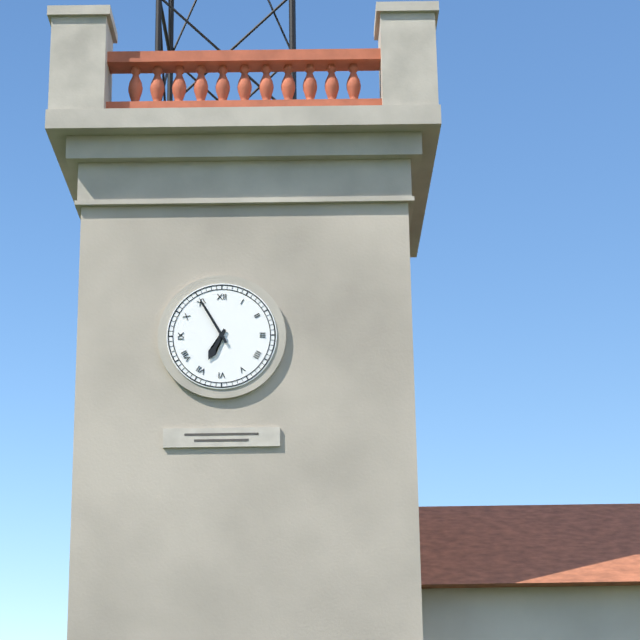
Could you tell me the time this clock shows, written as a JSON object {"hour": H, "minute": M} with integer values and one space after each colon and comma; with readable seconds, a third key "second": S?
{"hour": 6, "minute": 55}
